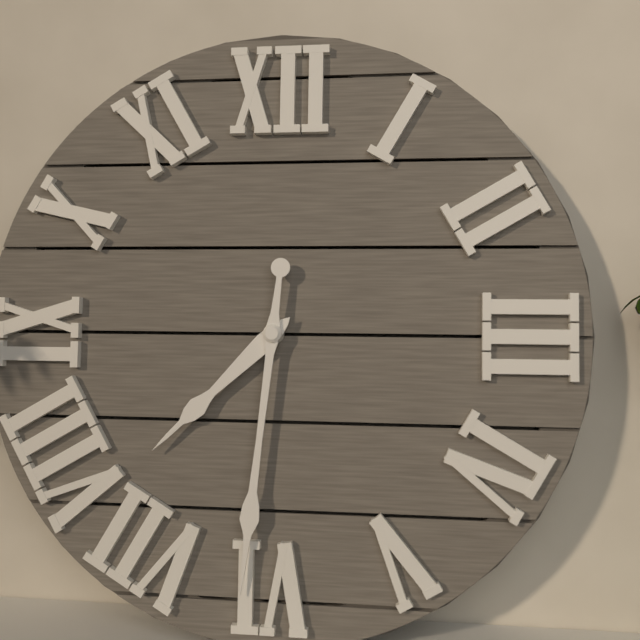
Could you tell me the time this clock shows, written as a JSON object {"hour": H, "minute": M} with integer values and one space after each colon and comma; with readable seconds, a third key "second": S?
{"hour": 7, "minute": 31}
